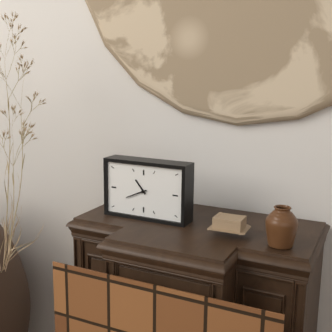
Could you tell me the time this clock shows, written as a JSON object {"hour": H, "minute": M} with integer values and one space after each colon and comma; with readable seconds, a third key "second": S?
{"hour": 10, "minute": 41}
